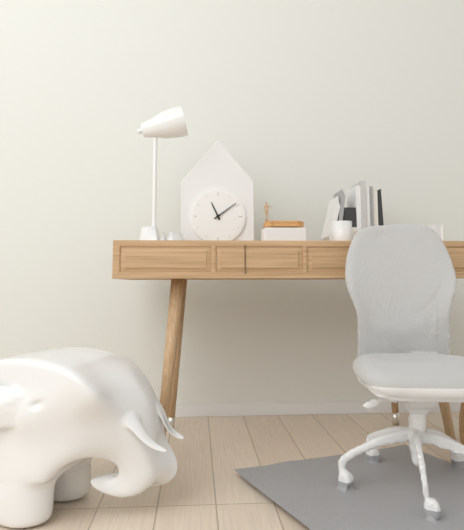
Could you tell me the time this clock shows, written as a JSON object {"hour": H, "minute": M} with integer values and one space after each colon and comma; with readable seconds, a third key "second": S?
{"hour": 11, "minute": 9}
